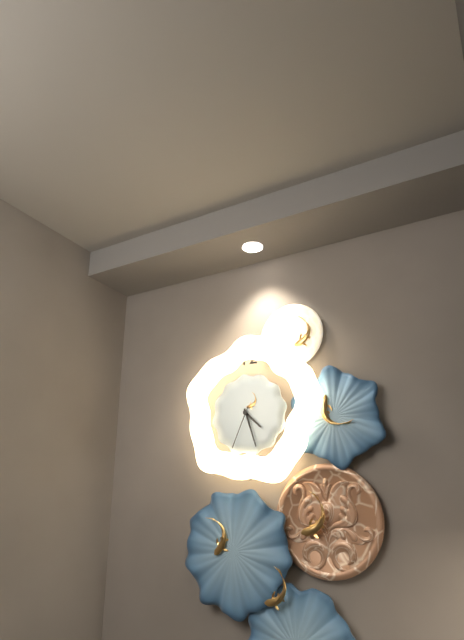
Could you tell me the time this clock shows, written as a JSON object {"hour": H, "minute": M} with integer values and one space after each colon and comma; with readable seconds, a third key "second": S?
{"hour": 4, "minute": 27}
